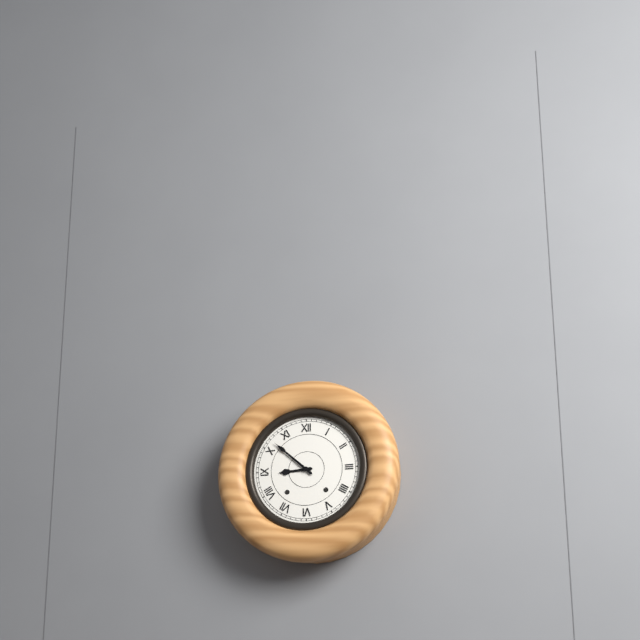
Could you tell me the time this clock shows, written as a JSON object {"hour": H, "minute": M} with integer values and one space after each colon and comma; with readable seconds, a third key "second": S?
{"hour": 8, "minute": 52}
